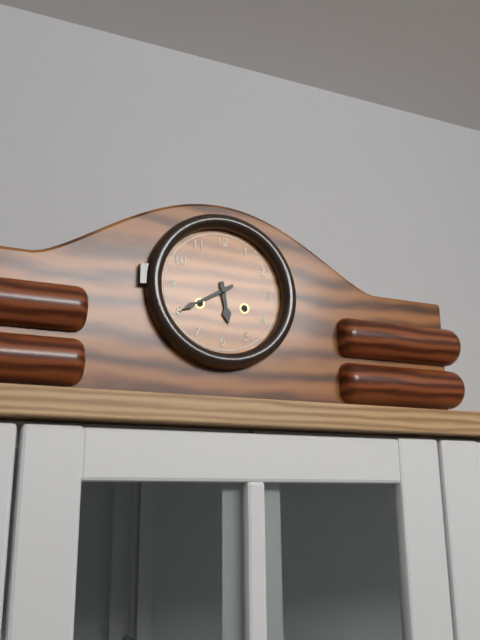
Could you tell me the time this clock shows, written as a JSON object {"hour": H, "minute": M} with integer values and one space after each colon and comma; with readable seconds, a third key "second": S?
{"hour": 5, "minute": 40}
